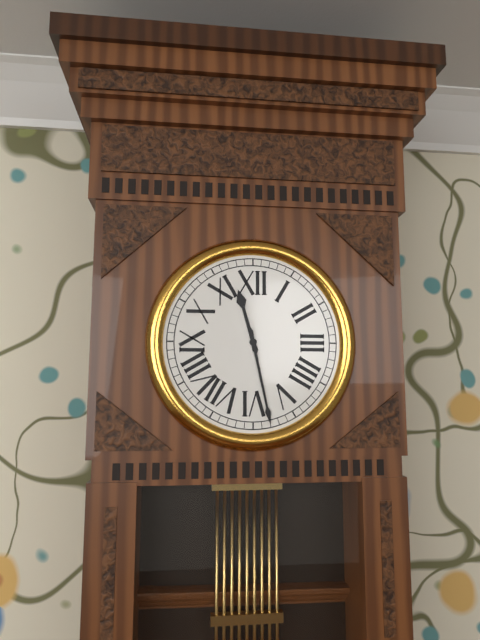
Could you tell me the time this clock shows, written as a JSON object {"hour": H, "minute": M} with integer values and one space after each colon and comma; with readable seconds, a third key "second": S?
{"hour": 11, "minute": 28}
